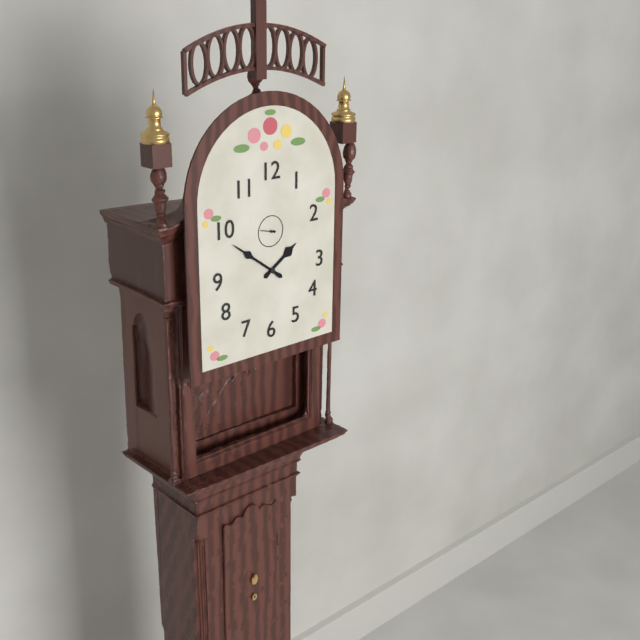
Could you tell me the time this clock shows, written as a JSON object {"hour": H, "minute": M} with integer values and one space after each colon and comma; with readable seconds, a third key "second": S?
{"hour": 1, "minute": 51}
